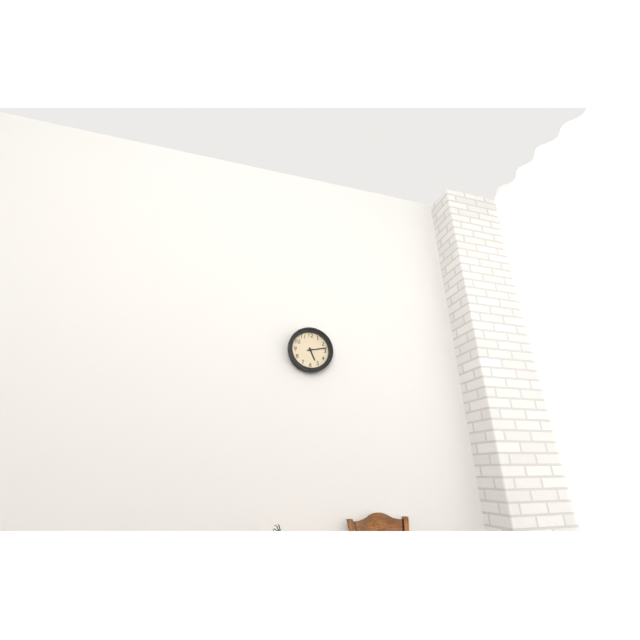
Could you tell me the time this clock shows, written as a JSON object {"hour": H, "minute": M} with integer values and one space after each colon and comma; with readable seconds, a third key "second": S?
{"hour": 5, "minute": 13}
